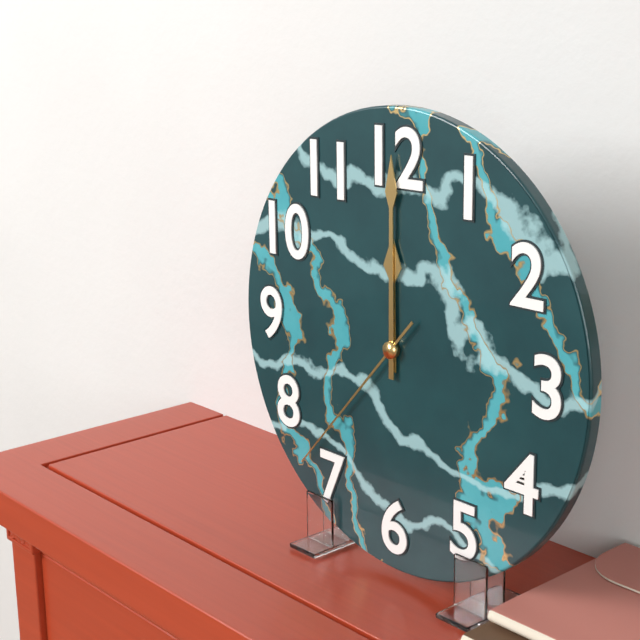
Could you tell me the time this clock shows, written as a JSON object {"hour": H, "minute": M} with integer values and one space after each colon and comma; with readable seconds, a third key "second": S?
{"hour": 12, "minute": 0, "second": 37}
